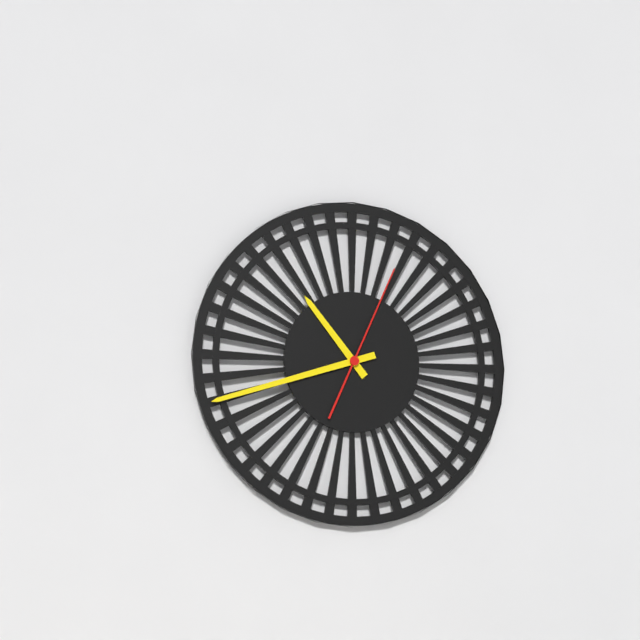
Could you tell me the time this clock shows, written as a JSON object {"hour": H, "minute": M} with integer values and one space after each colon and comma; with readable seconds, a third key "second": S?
{"hour": 10, "minute": 42, "second": 4}
